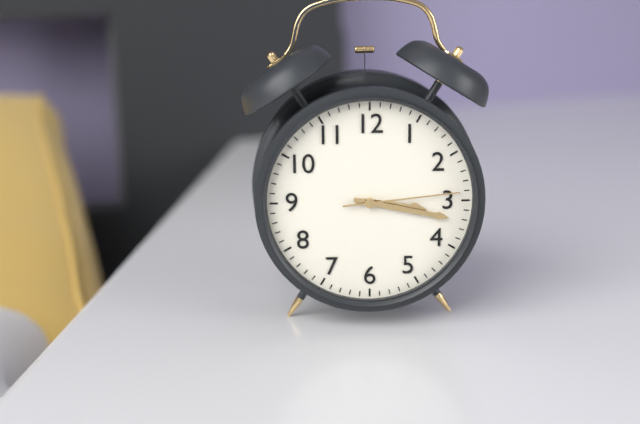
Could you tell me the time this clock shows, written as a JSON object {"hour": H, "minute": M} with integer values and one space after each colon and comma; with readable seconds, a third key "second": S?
{"hour": 3, "minute": 17, "second": 14}
